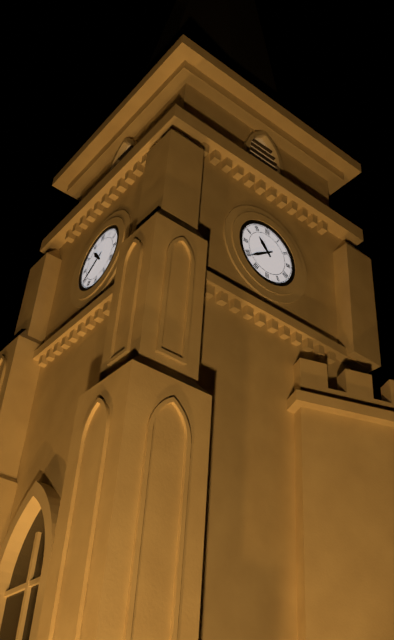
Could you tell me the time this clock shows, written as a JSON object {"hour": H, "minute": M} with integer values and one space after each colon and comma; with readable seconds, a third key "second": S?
{"hour": 10, "minute": 39}
